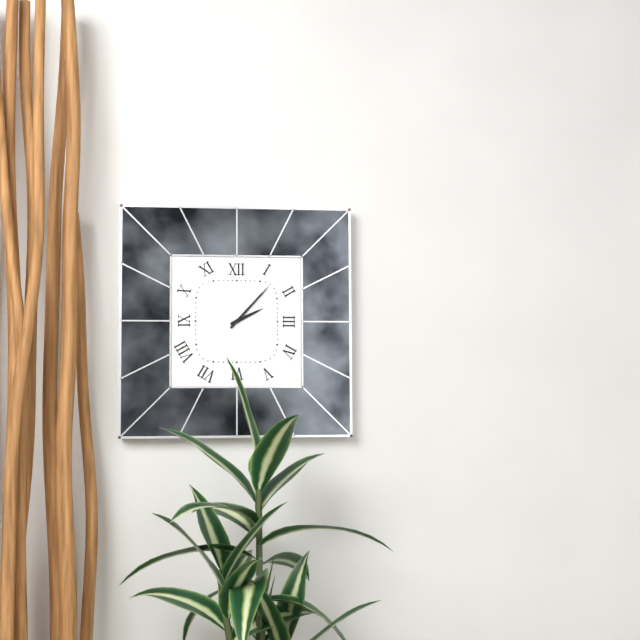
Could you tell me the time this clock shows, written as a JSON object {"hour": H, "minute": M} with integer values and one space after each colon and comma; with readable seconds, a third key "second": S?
{"hour": 2, "minute": 7}
